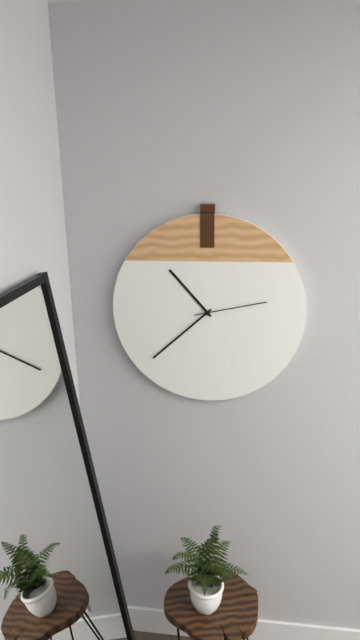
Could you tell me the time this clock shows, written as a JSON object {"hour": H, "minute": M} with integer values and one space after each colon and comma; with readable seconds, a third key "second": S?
{"hour": 10, "minute": 38, "second": 13}
